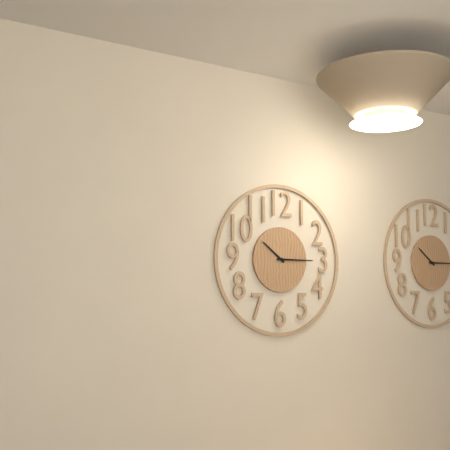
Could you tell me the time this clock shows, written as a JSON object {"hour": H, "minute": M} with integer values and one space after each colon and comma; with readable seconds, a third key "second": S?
{"hour": 10, "minute": 15}
